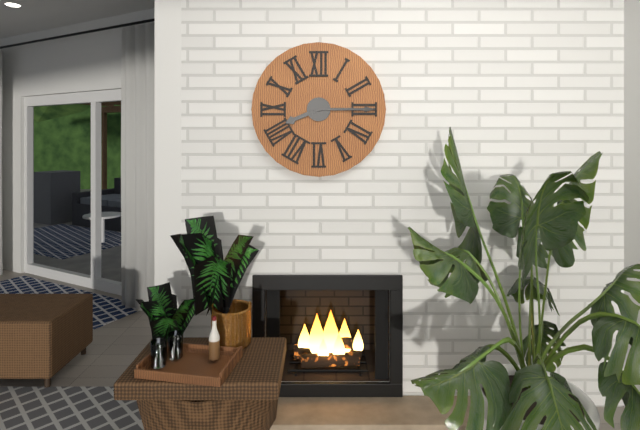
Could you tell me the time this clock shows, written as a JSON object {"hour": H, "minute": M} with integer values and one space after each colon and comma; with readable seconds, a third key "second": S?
{"hour": 8, "minute": 15}
